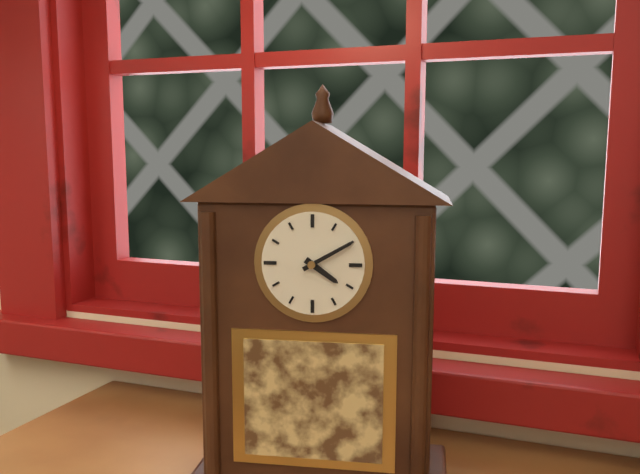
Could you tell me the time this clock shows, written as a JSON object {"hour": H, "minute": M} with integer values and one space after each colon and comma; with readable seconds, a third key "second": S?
{"hour": 4, "minute": 10}
